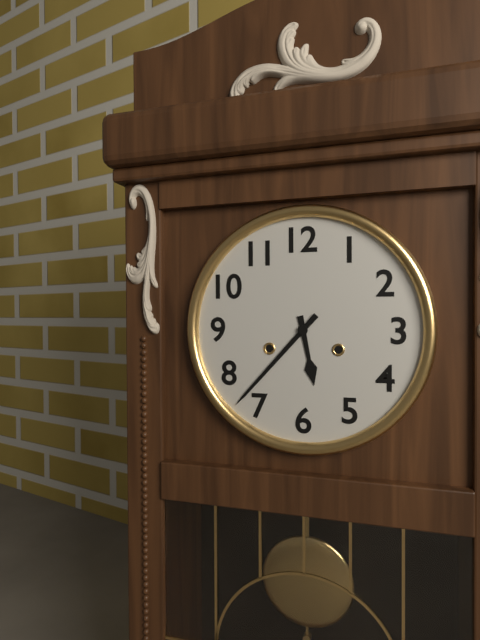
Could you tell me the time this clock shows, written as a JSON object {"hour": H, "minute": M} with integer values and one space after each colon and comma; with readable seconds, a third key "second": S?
{"hour": 5, "minute": 37}
